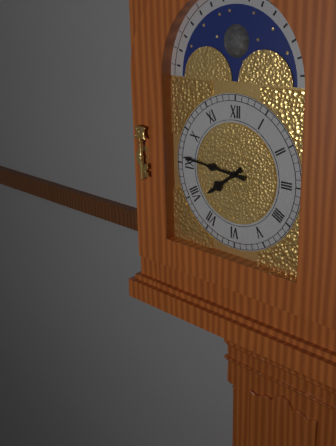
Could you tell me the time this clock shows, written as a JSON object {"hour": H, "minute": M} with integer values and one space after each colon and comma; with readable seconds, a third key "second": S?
{"hour": 7, "minute": 46}
